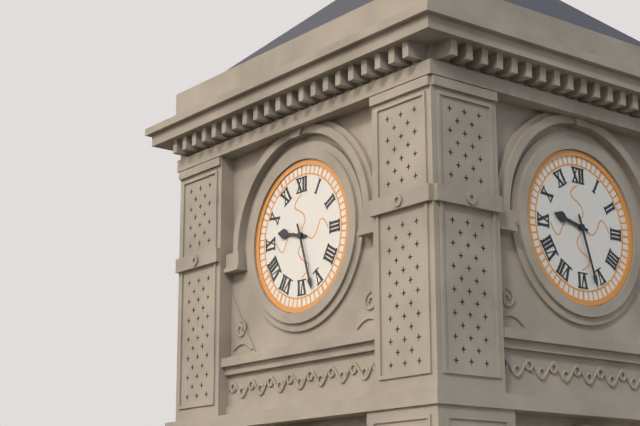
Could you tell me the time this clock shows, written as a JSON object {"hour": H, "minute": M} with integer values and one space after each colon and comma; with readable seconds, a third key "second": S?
{"hour": 9, "minute": 27}
